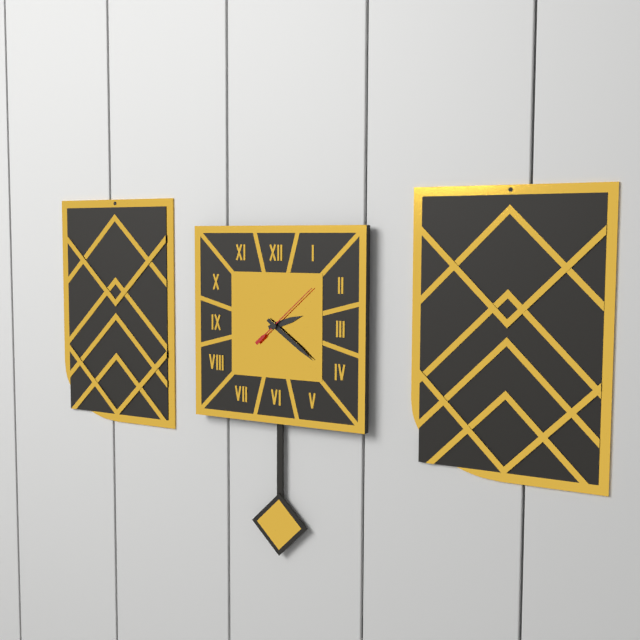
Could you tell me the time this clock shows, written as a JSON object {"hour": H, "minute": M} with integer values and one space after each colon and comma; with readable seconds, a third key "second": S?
{"hour": 2, "minute": 21, "second": 8}
